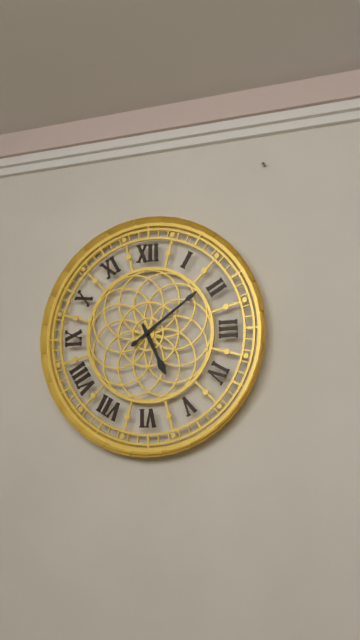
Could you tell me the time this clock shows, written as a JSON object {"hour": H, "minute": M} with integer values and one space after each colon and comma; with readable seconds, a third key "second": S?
{"hour": 5, "minute": 9}
